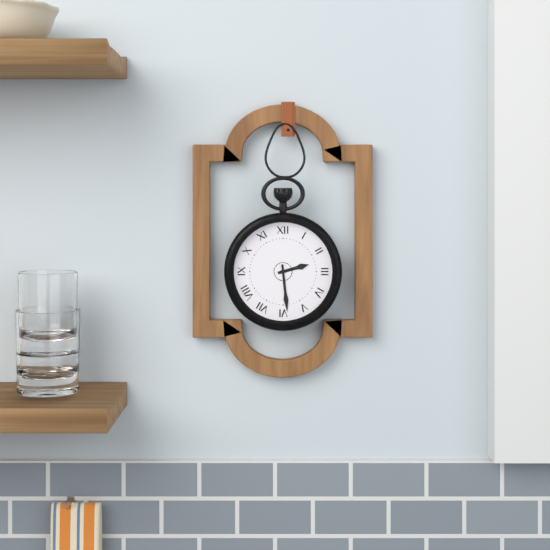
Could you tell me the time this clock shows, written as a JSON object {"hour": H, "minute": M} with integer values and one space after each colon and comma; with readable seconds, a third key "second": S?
{"hour": 2, "minute": 29}
